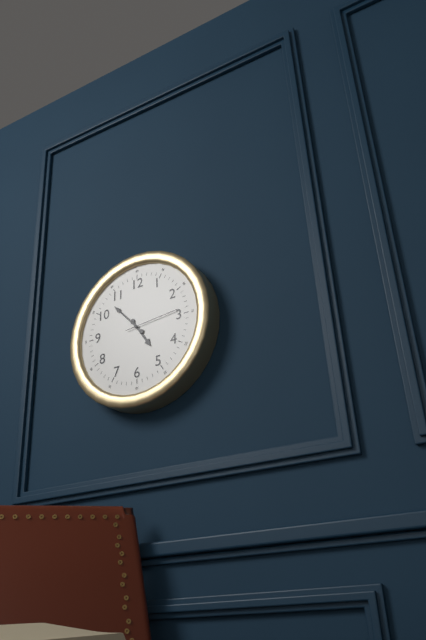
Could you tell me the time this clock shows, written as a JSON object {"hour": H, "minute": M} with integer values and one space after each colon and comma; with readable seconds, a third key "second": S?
{"hour": 4, "minute": 53, "second": 14}
